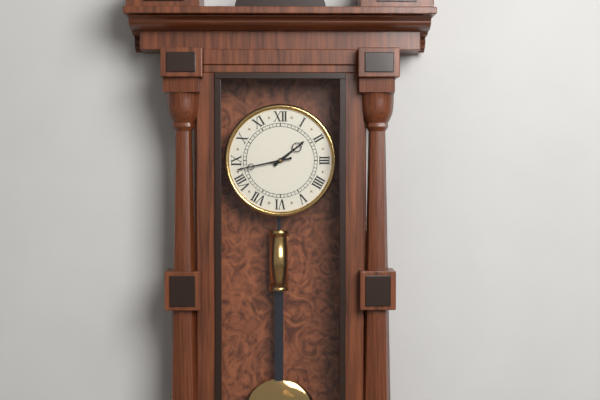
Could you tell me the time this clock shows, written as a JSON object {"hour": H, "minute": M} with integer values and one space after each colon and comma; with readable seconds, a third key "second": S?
{"hour": 1, "minute": 43}
